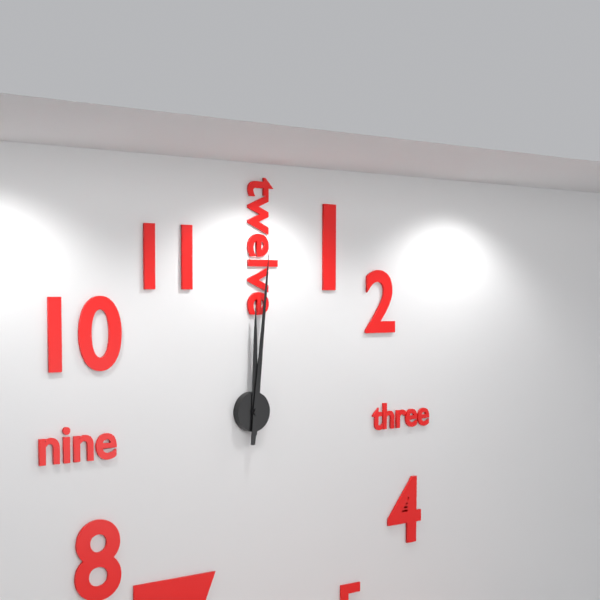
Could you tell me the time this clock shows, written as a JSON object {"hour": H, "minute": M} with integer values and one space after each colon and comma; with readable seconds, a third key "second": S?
{"hour": 12, "minute": 1}
